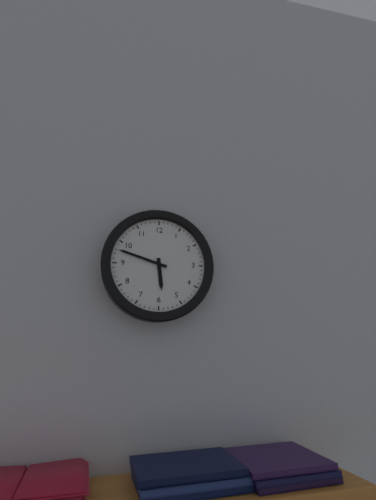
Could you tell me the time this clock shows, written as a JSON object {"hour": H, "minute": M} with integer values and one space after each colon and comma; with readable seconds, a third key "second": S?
{"hour": 5, "minute": 48}
